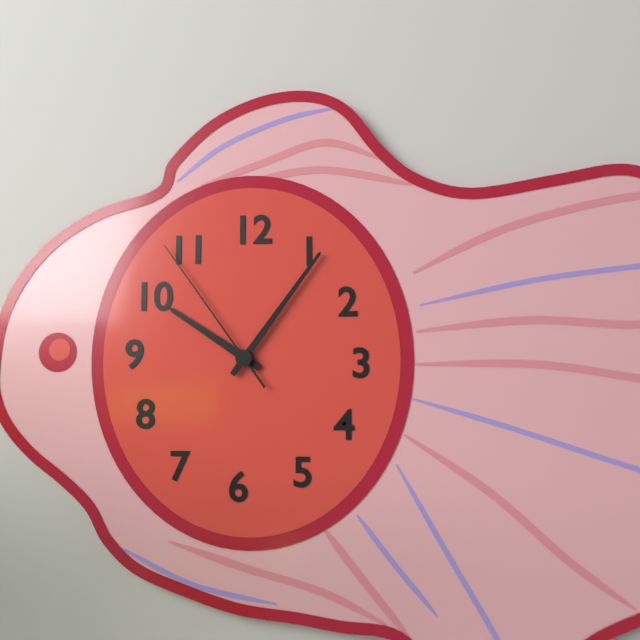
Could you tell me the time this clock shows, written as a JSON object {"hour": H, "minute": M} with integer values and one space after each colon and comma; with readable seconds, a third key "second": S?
{"hour": 10, "minute": 6, "second": 54}
